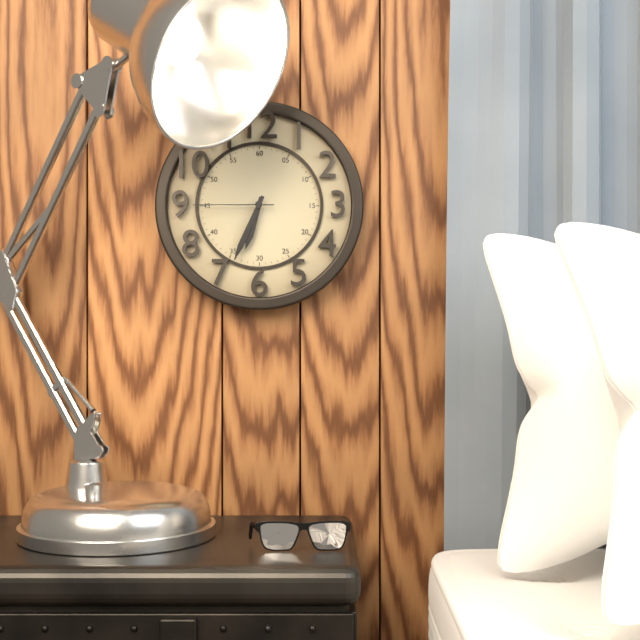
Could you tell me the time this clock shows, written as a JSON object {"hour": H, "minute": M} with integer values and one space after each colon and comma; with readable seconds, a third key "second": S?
{"hour": 6, "minute": 34, "second": 45}
